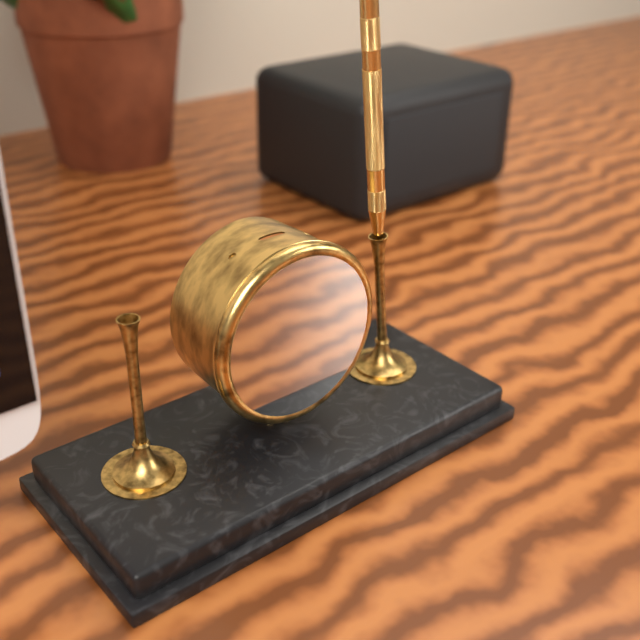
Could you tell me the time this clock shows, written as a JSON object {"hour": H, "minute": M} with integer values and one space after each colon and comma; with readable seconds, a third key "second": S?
{"hour": 5, "minute": 38, "second": 29}
